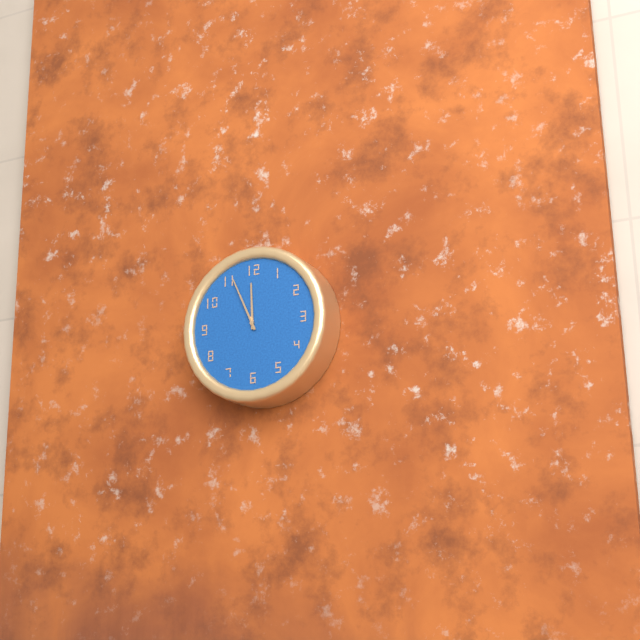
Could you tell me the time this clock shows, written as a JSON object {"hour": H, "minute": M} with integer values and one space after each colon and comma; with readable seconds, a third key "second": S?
{"hour": 11, "minute": 56}
